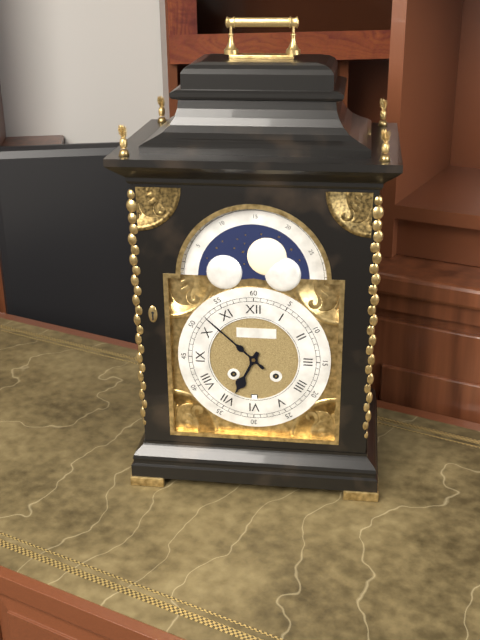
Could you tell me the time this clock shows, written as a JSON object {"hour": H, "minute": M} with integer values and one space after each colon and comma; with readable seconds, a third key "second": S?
{"hour": 6, "minute": 52}
